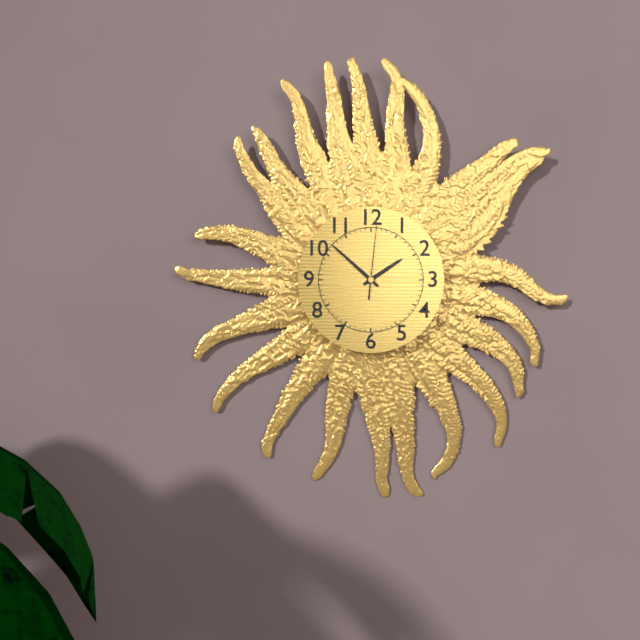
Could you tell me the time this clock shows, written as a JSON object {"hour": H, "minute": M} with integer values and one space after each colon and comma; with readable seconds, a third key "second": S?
{"hour": 1, "minute": 52, "second": 1}
